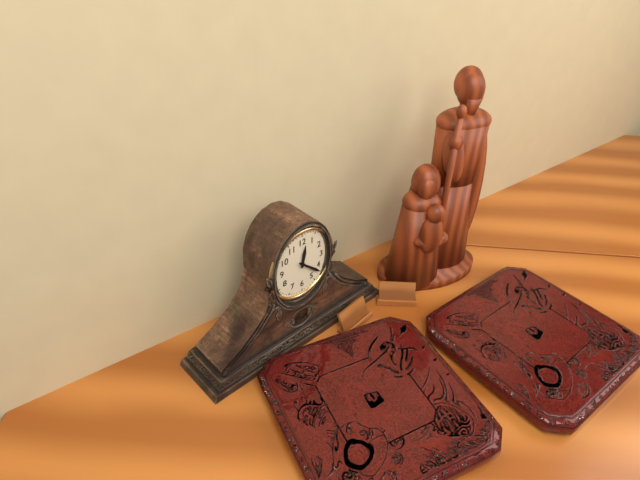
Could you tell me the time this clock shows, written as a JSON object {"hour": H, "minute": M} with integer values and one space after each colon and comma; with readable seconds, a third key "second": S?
{"hour": 12, "minute": 22}
